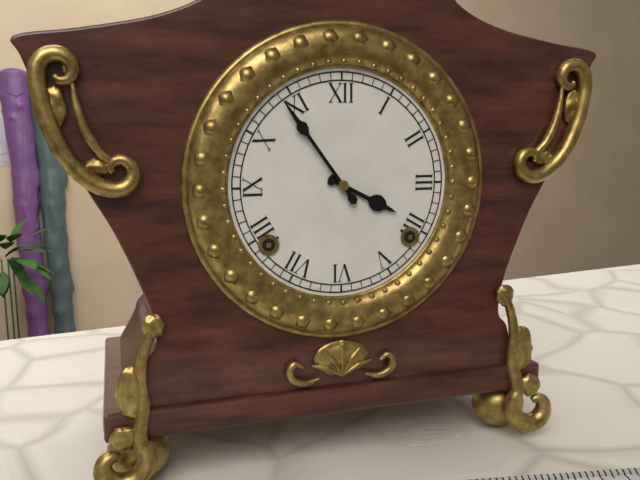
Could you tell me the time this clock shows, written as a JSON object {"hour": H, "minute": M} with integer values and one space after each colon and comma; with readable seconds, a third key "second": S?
{"hour": 3, "minute": 54}
